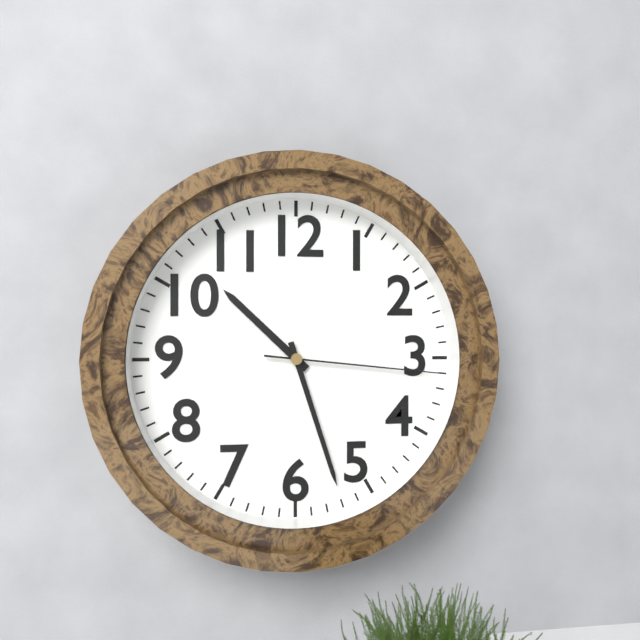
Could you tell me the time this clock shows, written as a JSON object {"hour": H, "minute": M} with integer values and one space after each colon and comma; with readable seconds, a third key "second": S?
{"hour": 10, "minute": 27, "second": 16}
